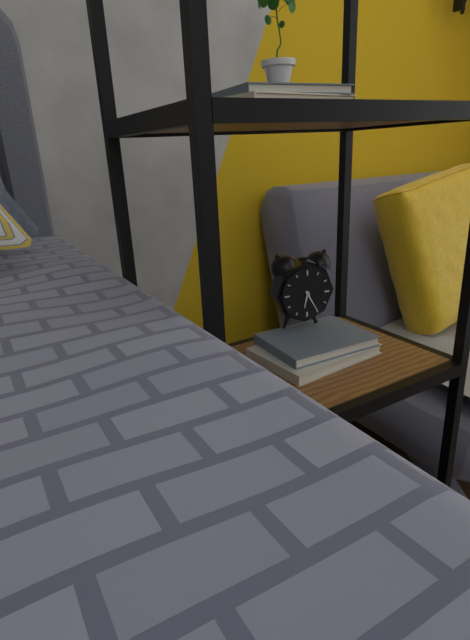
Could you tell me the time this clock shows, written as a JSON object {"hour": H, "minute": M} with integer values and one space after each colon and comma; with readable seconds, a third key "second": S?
{"hour": 6, "minute": 25}
